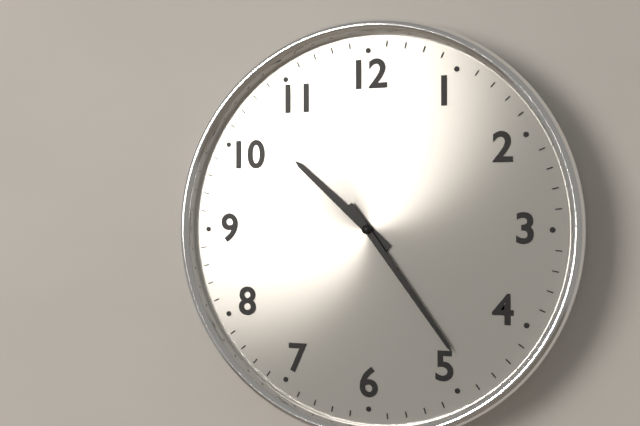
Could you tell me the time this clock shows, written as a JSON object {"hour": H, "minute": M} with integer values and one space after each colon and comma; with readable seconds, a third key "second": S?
{"hour": 10, "minute": 24}
